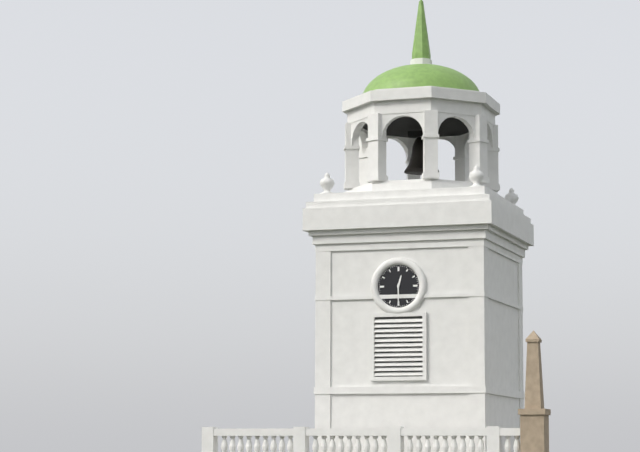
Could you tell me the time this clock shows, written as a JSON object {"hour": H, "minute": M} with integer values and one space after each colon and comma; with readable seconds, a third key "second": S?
{"hour": 12, "minute": 30}
